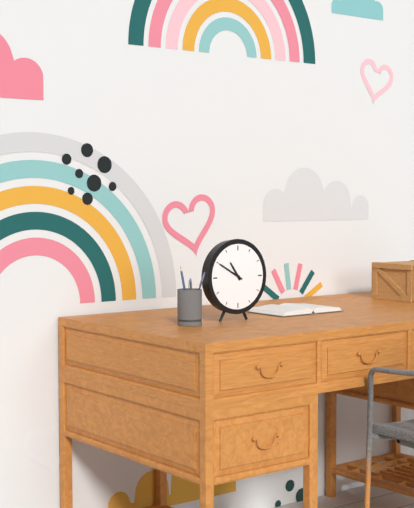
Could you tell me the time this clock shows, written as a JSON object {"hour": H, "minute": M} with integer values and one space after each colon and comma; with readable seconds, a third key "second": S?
{"hour": 10, "minute": 50}
